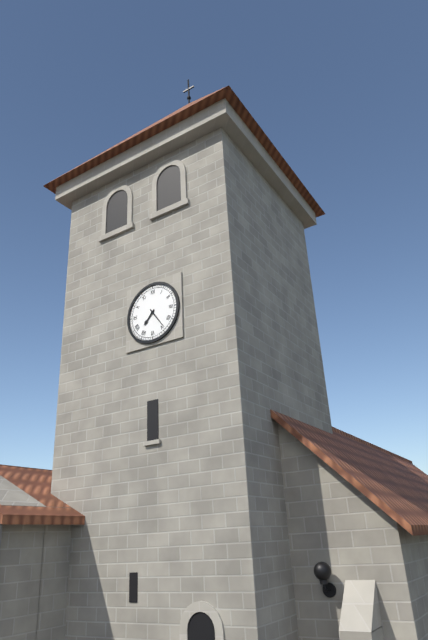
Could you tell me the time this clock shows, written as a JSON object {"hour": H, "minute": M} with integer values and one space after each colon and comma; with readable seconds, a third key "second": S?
{"hour": 7, "minute": 24}
